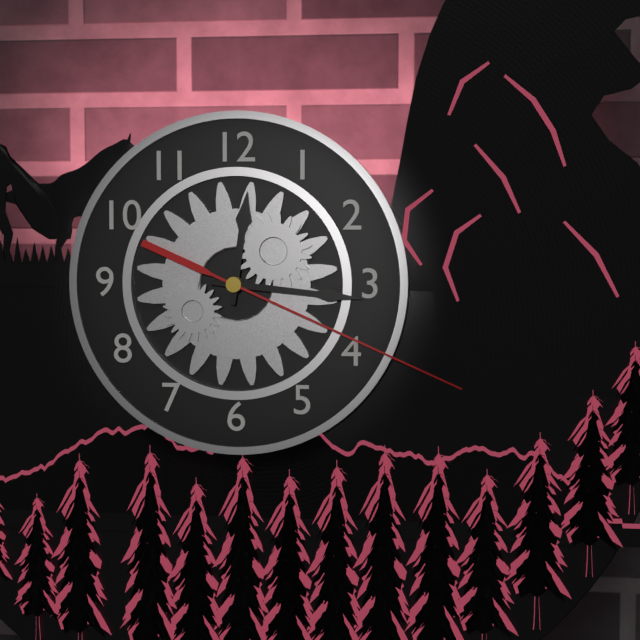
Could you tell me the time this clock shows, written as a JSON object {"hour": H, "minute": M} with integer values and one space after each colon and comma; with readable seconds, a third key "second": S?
{"hour": 12, "minute": 16, "second": 19}
